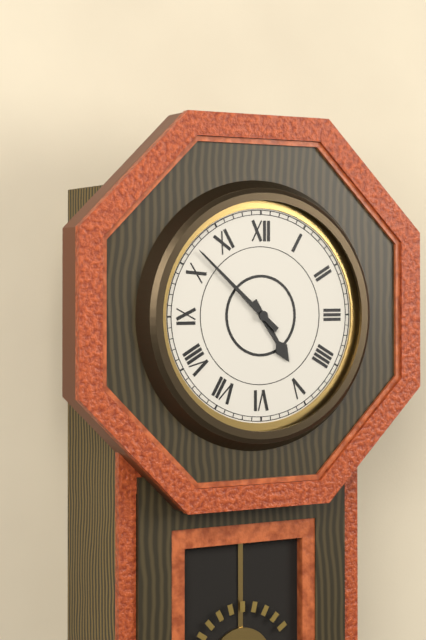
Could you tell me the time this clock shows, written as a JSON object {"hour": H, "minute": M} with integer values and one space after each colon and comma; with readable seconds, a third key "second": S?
{"hour": 4, "minute": 52}
